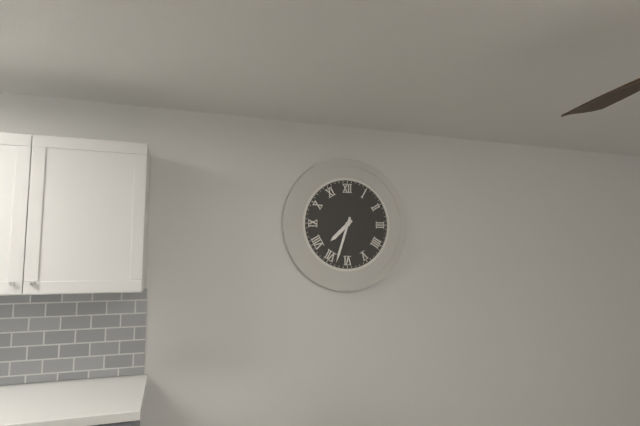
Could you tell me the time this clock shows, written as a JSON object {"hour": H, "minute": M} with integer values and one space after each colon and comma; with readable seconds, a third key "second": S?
{"hour": 7, "minute": 33}
